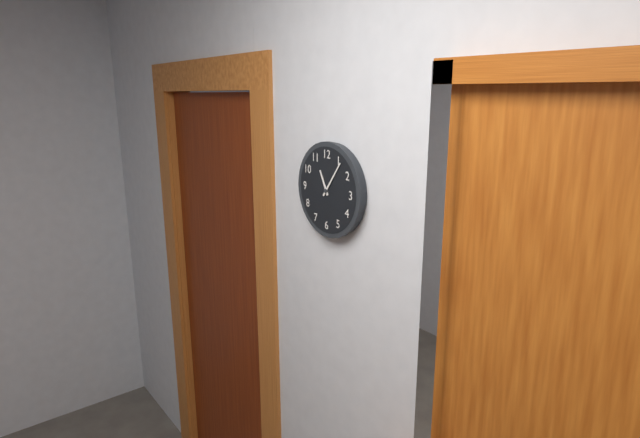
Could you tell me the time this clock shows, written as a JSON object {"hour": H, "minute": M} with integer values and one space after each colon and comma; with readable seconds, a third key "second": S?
{"hour": 11, "minute": 6}
